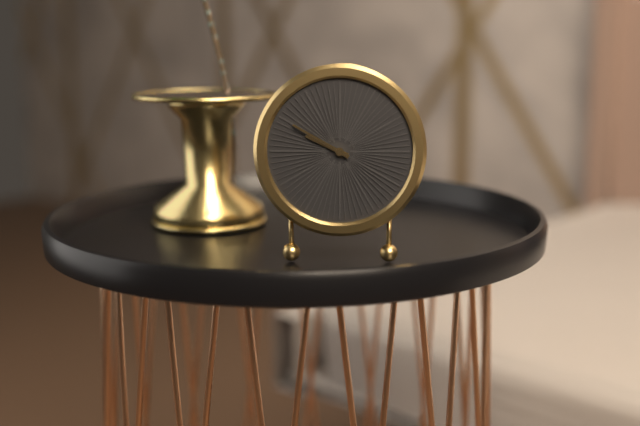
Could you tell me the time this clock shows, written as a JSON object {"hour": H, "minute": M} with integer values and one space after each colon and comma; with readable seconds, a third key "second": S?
{"hour": 9, "minute": 50}
